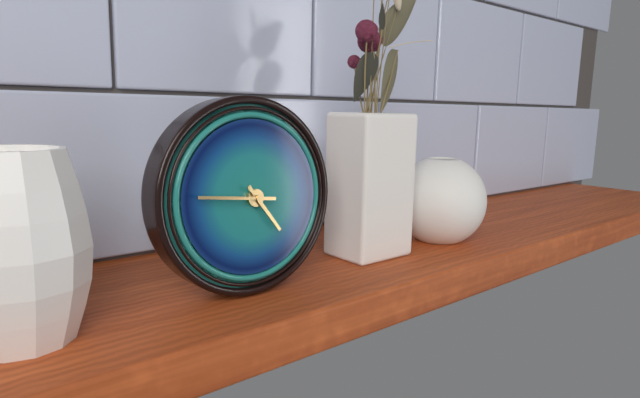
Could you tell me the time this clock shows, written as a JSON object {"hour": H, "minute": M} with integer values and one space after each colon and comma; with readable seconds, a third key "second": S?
{"hour": 4, "minute": 46}
